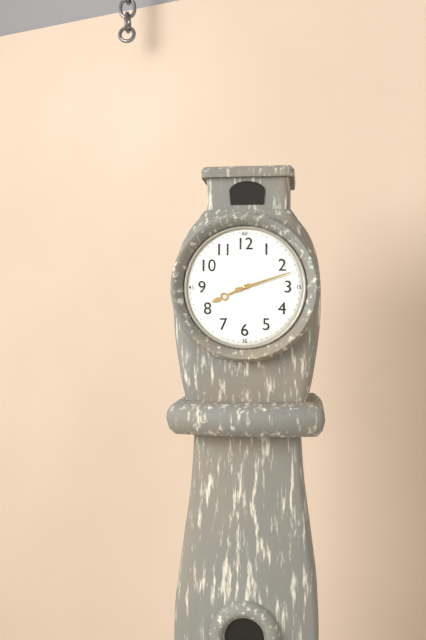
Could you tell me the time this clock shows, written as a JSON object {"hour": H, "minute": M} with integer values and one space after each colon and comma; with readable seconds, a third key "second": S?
{"hour": 8, "minute": 12}
